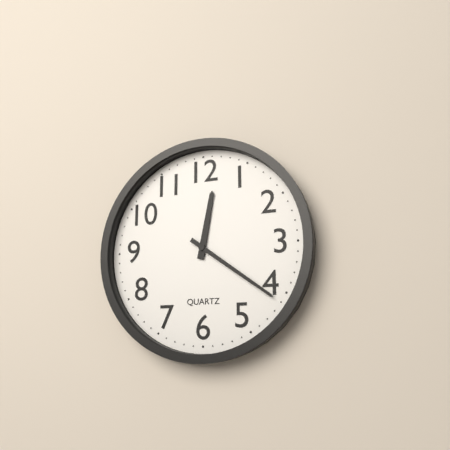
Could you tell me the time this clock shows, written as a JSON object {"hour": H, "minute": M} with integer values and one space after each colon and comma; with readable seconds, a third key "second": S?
{"hour": 12, "minute": 21}
